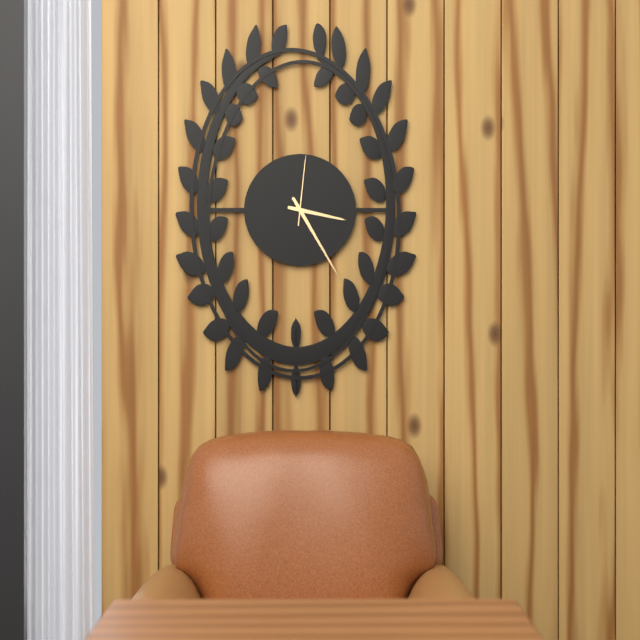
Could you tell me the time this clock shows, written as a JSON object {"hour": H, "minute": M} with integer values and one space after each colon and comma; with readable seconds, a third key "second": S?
{"hour": 3, "minute": 25, "second": 1}
